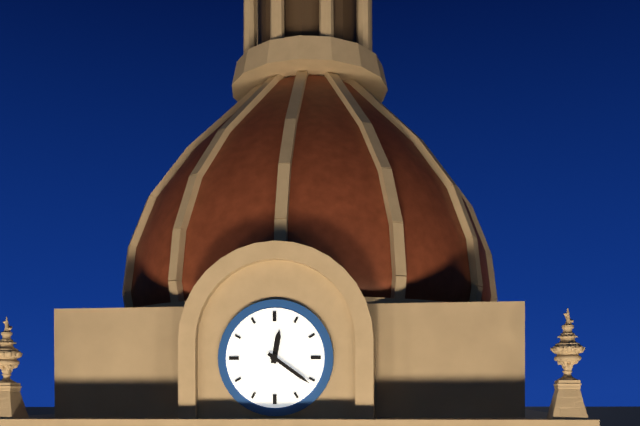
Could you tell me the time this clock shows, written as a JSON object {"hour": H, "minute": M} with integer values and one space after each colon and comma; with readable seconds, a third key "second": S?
{"hour": 12, "minute": 21}
